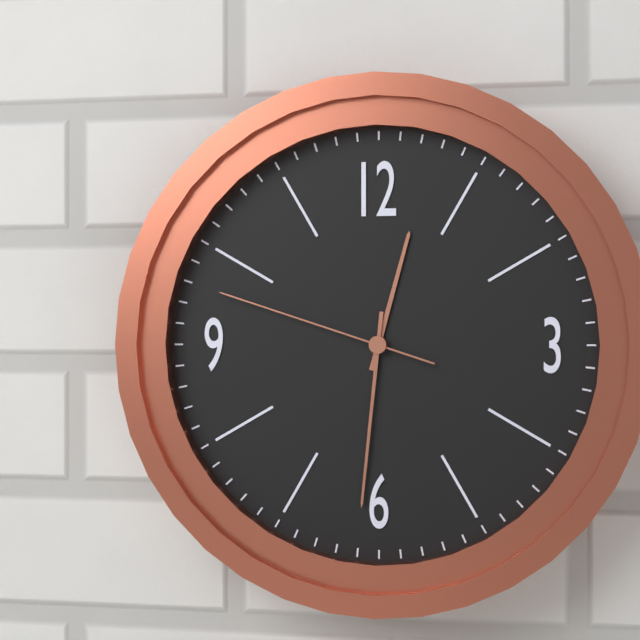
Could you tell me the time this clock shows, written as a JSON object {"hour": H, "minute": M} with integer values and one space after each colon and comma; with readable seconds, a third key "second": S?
{"hour": 12, "minute": 31, "second": 48}
